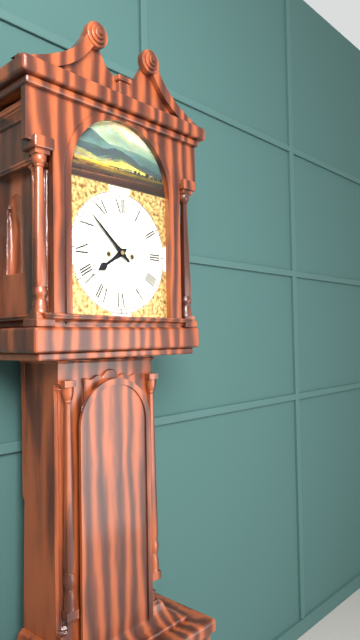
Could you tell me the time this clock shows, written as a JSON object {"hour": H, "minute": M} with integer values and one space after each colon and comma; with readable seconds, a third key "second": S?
{"hour": 7, "minute": 52}
